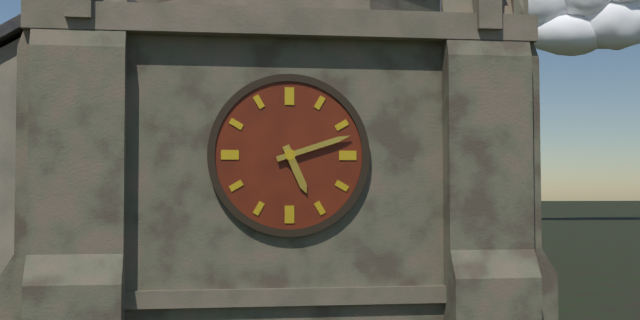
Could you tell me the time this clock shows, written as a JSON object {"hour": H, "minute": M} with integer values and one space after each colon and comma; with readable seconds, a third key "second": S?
{"hour": 5, "minute": 12}
